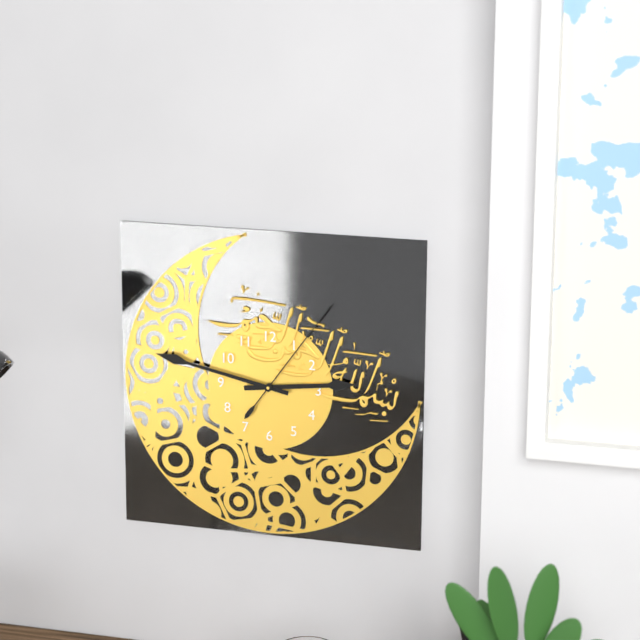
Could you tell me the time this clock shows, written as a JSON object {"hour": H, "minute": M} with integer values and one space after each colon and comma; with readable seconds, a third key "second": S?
{"hour": 2, "minute": 47, "second": 6}
